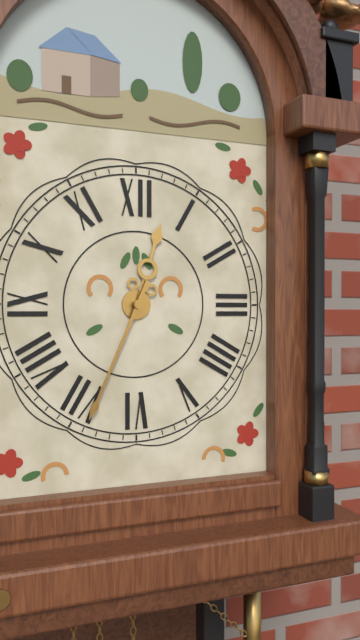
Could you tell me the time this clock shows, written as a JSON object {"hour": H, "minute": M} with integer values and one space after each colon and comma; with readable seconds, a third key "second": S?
{"hour": 12, "minute": 34}
